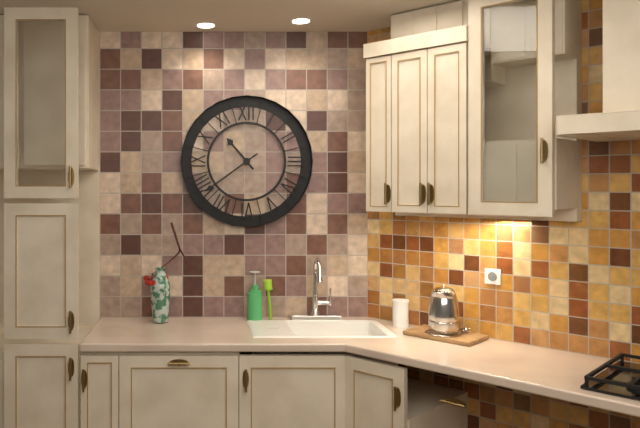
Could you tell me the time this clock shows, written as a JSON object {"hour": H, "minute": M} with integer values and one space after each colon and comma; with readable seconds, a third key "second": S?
{"hour": 10, "minute": 39}
